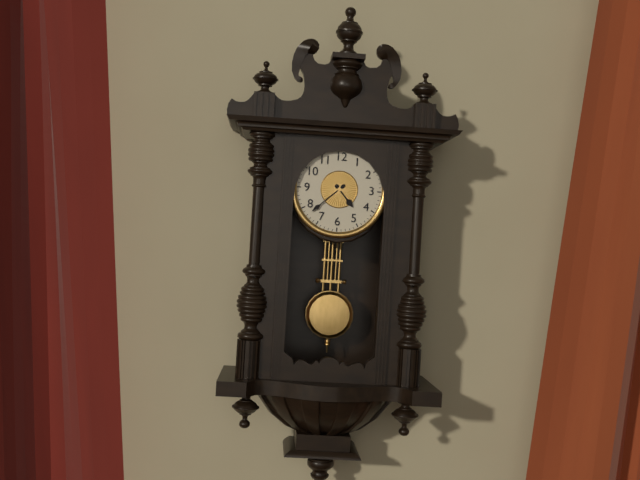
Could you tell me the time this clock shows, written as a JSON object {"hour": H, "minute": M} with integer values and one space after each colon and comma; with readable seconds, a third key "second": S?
{"hour": 4, "minute": 38}
